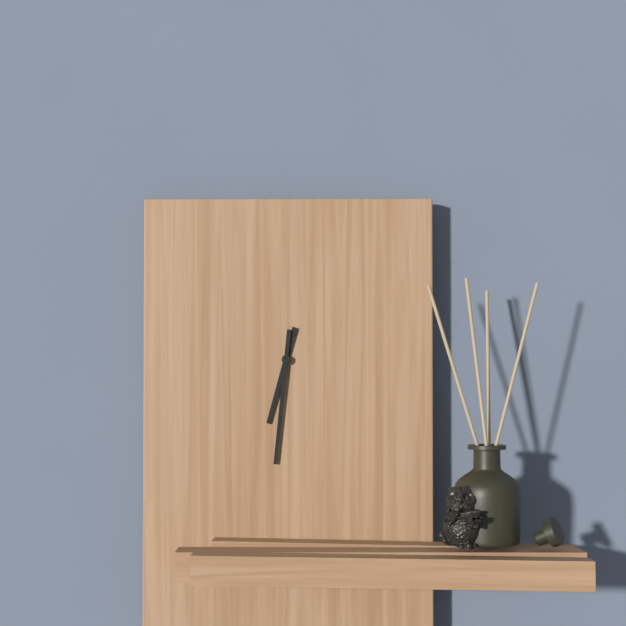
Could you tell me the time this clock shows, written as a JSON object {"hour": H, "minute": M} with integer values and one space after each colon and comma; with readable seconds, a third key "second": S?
{"hour": 6, "minute": 31}
